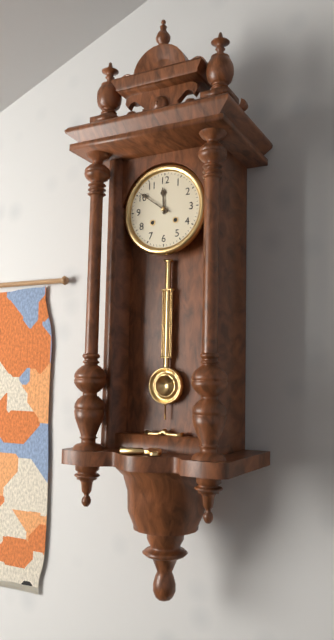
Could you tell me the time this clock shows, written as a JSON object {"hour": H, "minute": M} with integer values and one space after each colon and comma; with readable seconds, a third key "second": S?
{"hour": 11, "minute": 51}
